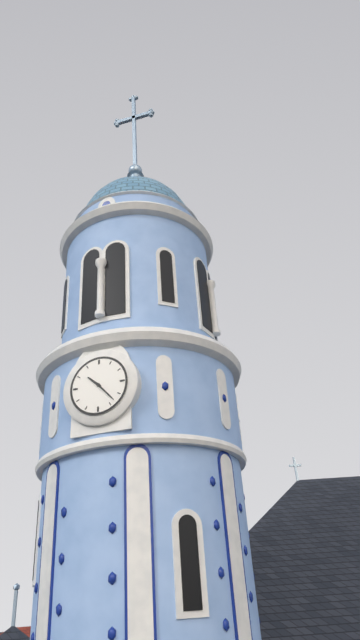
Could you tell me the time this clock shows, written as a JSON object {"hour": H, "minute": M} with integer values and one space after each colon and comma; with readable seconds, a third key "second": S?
{"hour": 10, "minute": 23}
